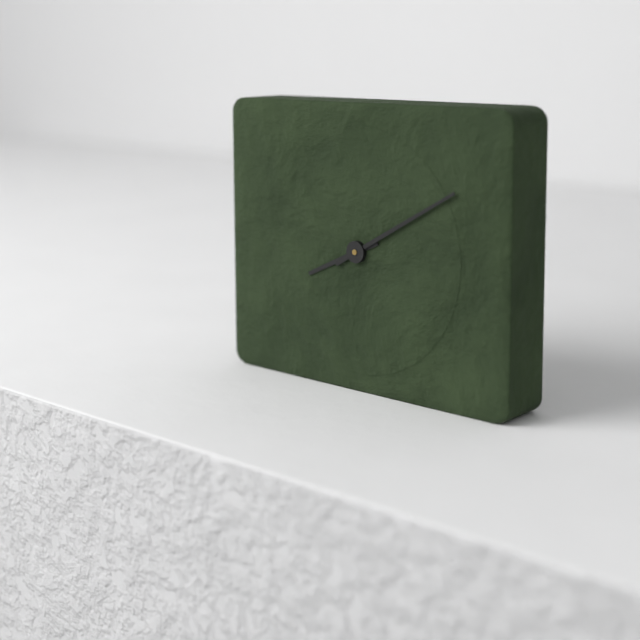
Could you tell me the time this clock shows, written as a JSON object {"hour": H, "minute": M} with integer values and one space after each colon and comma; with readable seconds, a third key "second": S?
{"hour": 8, "minute": 10}
